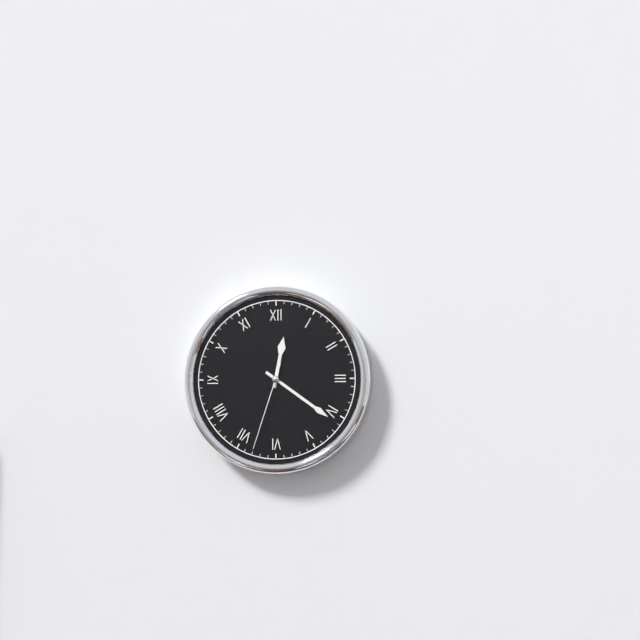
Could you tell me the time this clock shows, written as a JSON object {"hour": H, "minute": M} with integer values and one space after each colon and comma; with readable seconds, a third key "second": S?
{"hour": 12, "minute": 21, "second": 33}
